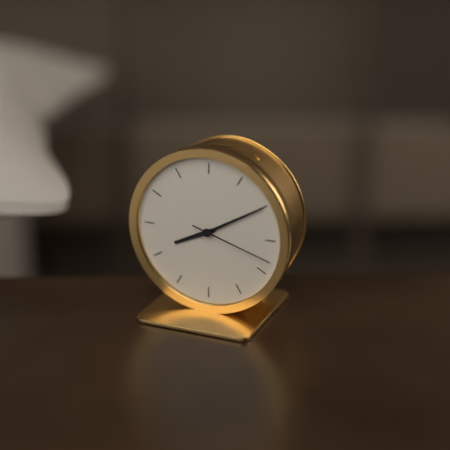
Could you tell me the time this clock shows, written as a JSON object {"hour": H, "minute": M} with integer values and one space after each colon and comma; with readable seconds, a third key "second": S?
{"hour": 8, "minute": 10, "second": 18}
